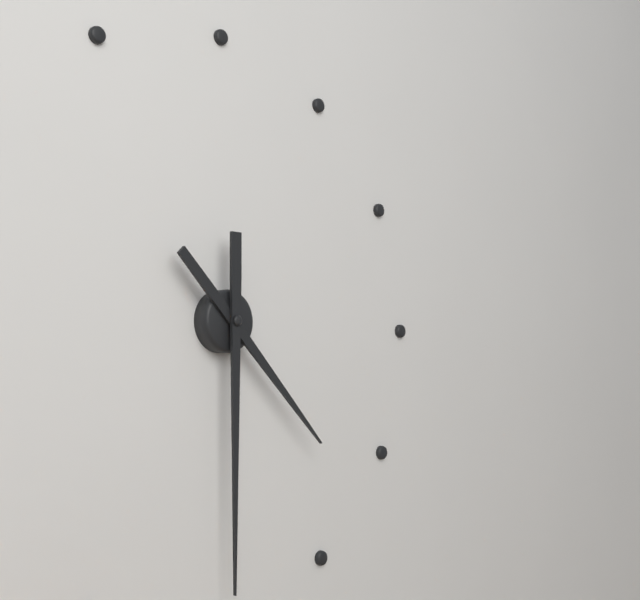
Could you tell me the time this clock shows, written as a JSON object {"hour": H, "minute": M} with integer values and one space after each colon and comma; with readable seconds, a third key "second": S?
{"hour": 4, "minute": 30}
